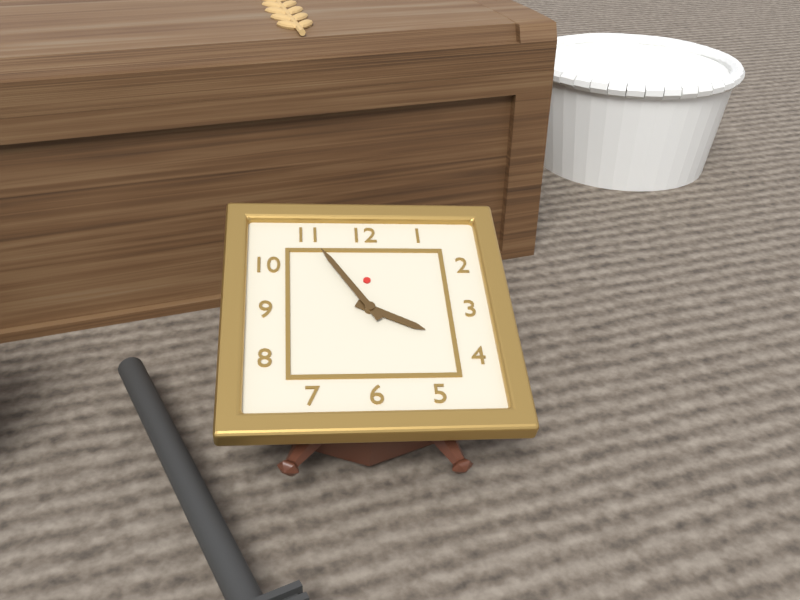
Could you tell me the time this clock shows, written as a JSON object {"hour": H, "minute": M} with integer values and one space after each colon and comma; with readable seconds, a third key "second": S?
{"hour": 3, "minute": 55}
